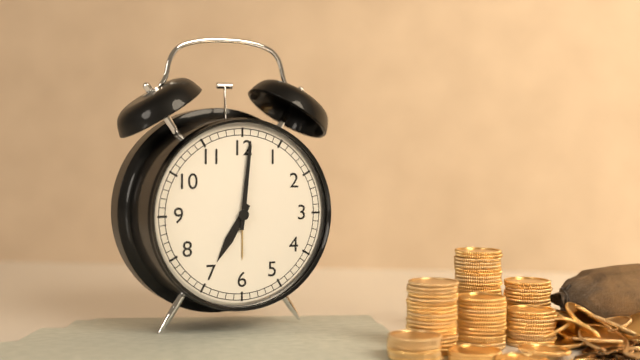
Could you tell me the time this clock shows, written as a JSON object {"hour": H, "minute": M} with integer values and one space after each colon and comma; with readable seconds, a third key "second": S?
{"hour": 7, "minute": 1}
